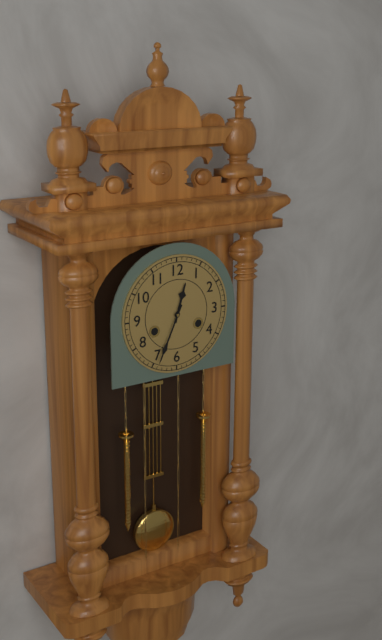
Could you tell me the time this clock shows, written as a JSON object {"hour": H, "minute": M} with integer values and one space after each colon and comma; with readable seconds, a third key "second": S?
{"hour": 12, "minute": 34}
